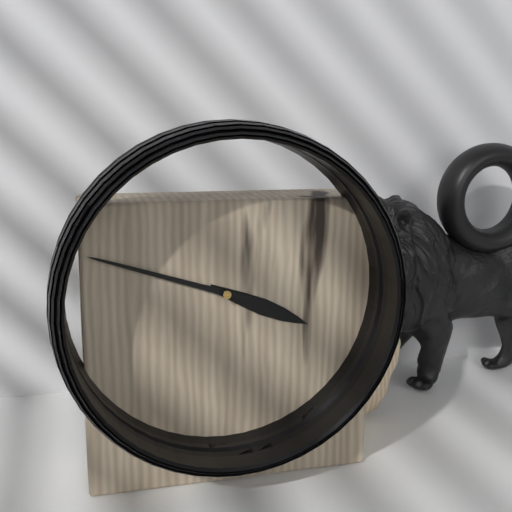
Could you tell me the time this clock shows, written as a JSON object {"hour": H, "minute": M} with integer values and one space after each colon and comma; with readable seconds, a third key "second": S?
{"hour": 3, "minute": 48}
